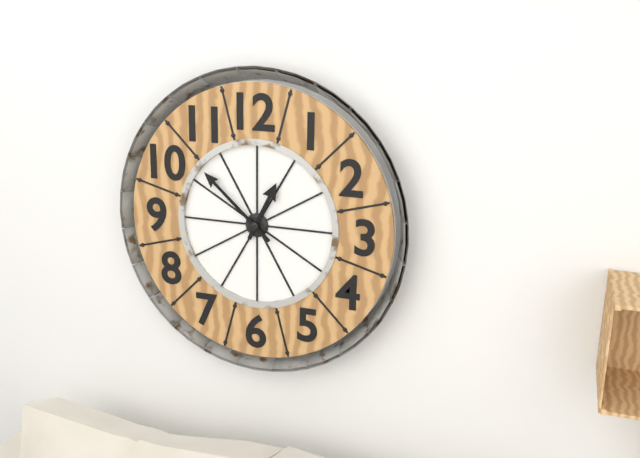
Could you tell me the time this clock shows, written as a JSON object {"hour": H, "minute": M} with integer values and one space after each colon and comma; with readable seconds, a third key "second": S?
{"hour": 12, "minute": 52}
